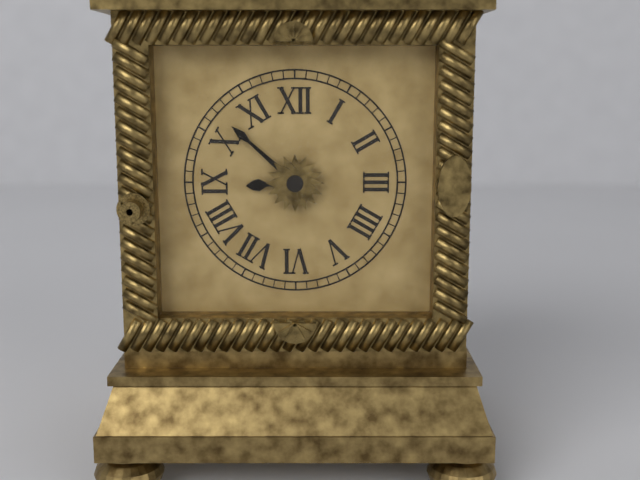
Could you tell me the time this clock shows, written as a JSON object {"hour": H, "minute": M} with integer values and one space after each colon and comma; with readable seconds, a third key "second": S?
{"hour": 8, "minute": 52}
